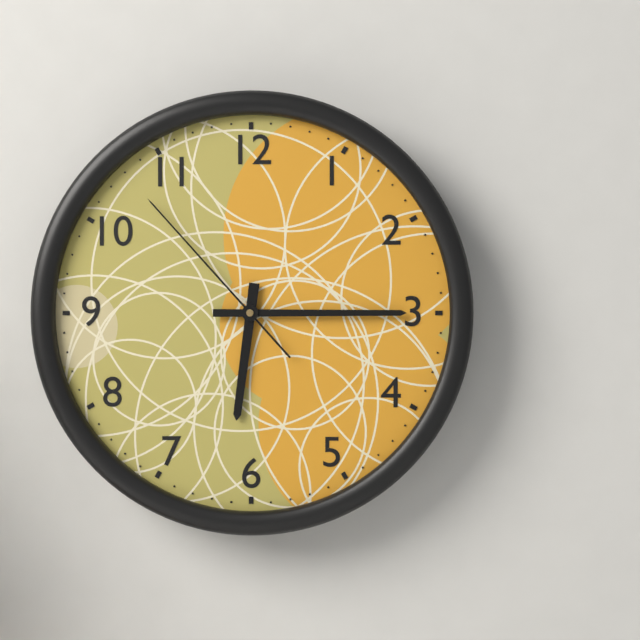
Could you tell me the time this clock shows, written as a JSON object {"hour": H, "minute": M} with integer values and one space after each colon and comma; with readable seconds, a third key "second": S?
{"hour": 6, "minute": 15, "second": 53}
